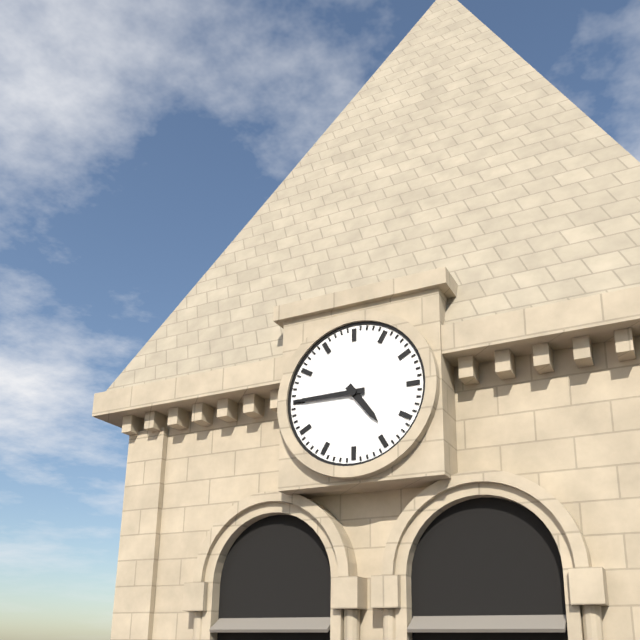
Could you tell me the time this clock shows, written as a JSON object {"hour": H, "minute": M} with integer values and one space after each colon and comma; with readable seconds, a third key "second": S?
{"hour": 4, "minute": 45}
